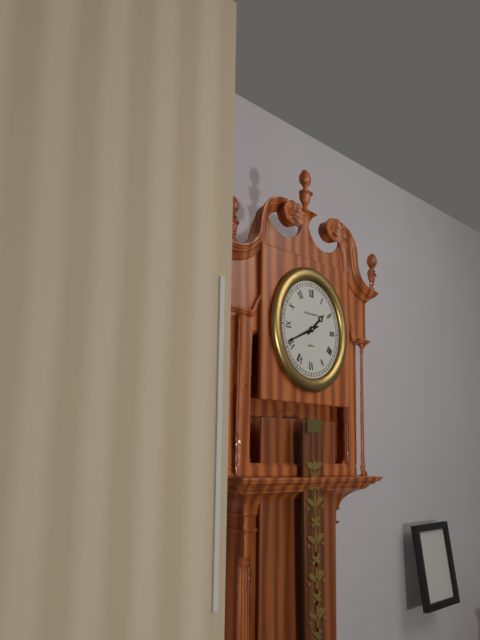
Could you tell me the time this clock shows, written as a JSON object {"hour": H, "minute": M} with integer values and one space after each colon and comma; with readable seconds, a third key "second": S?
{"hour": 1, "minute": 41}
